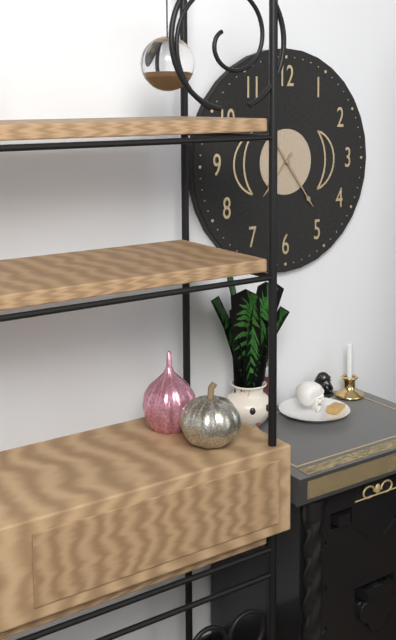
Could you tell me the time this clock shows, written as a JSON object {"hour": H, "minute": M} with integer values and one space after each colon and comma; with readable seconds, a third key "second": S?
{"hour": 7, "minute": 24}
